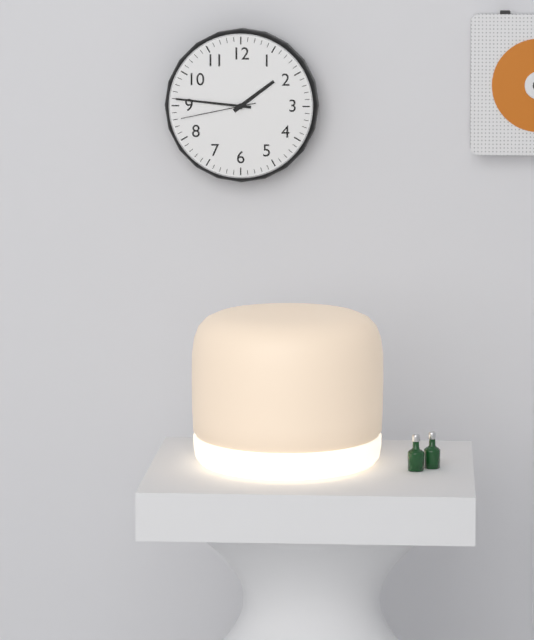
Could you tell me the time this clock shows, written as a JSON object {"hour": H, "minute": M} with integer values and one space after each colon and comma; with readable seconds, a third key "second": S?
{"hour": 1, "minute": 46, "second": 43}
